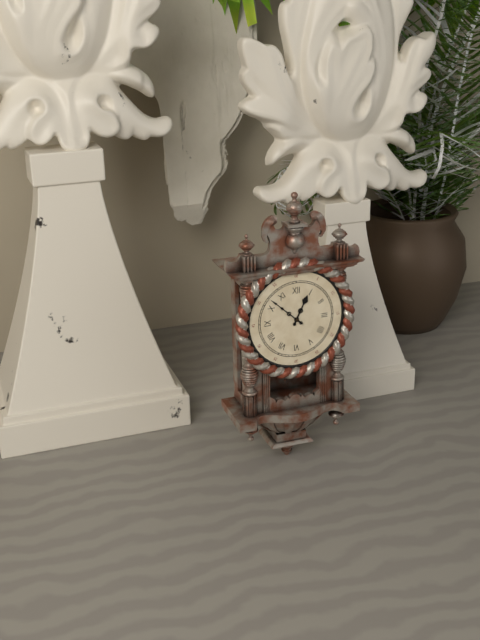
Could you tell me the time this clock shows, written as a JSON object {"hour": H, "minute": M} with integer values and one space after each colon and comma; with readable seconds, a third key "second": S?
{"hour": 12, "minute": 52}
